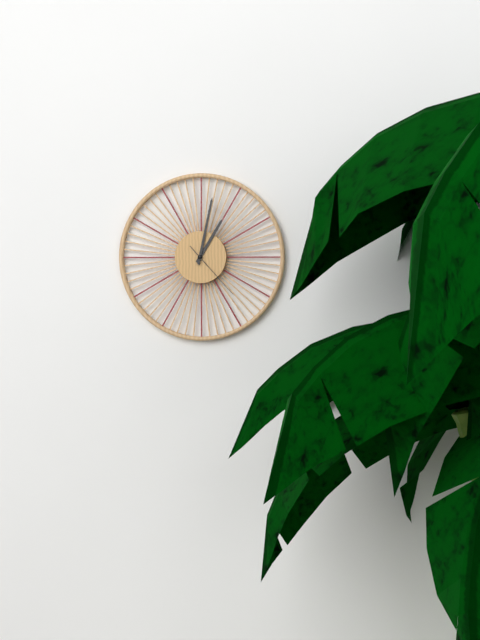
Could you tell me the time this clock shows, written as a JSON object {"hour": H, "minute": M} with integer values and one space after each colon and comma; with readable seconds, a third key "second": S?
{"hour": 1, "minute": 2, "second": 23}
